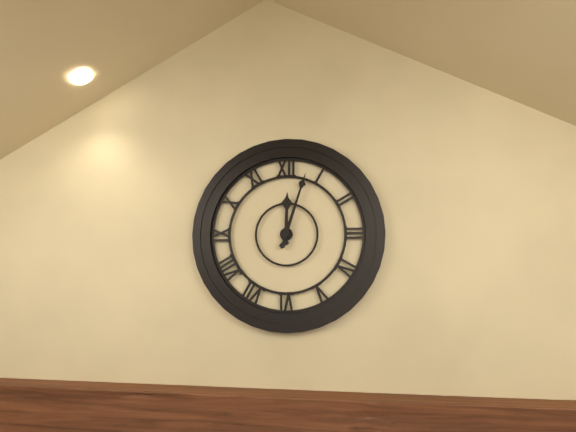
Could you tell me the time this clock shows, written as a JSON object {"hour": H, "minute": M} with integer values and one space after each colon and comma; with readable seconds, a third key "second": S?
{"hour": 12, "minute": 3}
